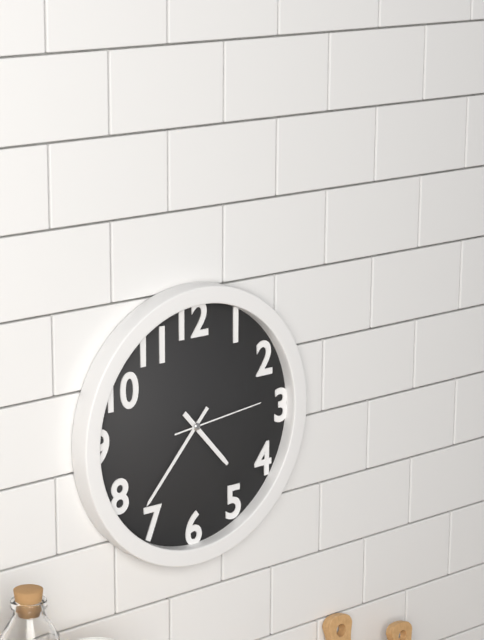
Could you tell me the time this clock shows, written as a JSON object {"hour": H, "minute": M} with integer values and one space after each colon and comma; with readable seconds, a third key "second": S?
{"hour": 4, "minute": 37, "second": 14}
